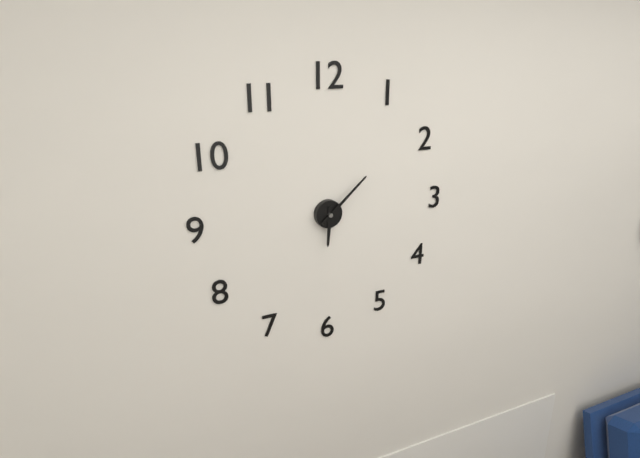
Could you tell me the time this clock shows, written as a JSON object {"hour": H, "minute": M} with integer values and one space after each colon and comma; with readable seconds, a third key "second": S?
{"hour": 6, "minute": 8}
